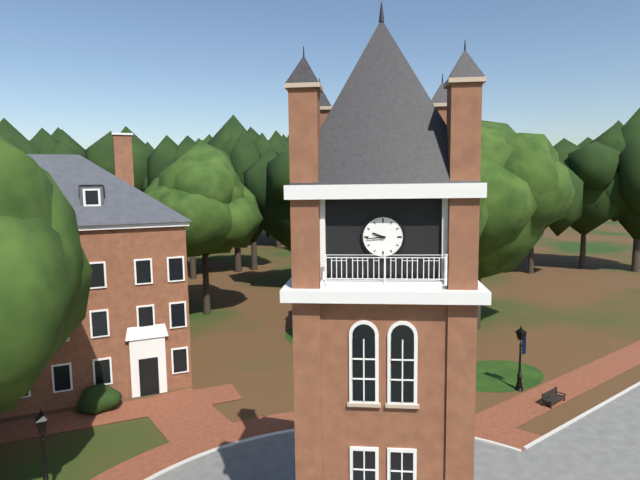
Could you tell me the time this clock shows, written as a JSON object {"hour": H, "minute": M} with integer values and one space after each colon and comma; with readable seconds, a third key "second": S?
{"hour": 9, "minute": 44}
